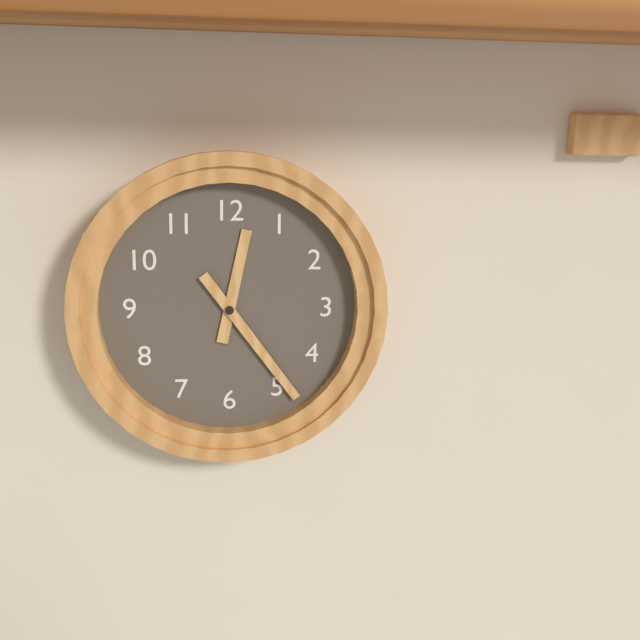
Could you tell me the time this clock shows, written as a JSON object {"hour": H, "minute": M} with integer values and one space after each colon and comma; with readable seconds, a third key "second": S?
{"hour": 12, "minute": 24}
